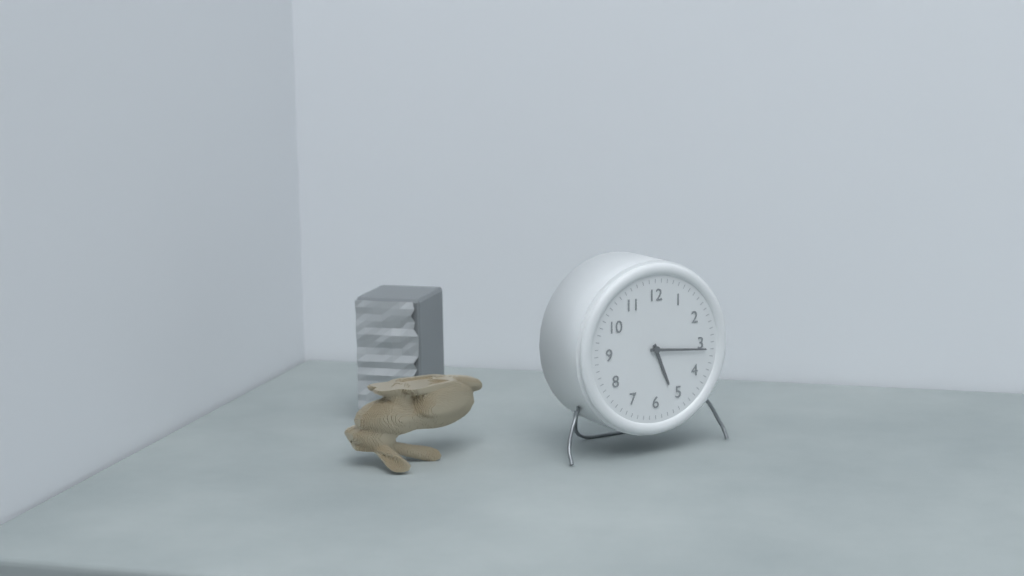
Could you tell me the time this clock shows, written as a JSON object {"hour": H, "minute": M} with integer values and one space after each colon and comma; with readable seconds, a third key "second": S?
{"hour": 5, "minute": 16}
